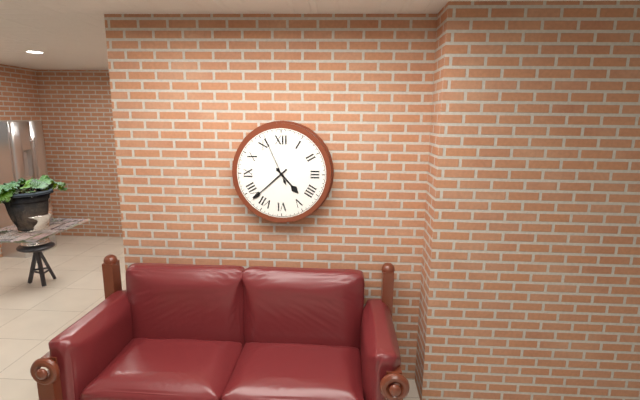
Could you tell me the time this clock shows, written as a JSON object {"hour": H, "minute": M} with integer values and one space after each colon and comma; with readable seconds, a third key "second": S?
{"hour": 4, "minute": 38, "second": 56}
